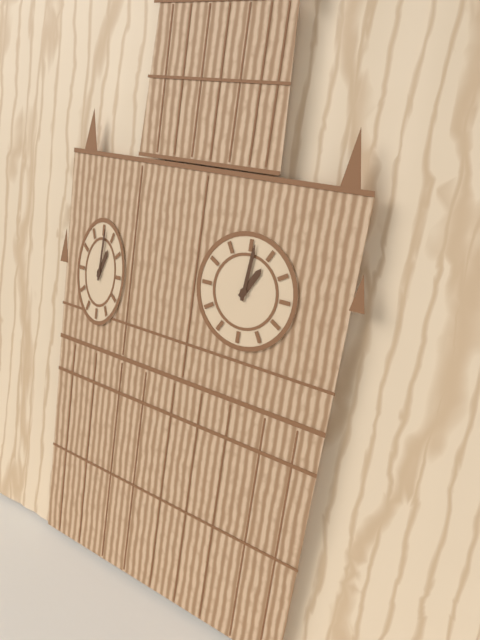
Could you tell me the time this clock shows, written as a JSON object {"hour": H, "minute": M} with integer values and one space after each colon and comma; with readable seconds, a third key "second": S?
{"hour": 1, "minute": 1}
